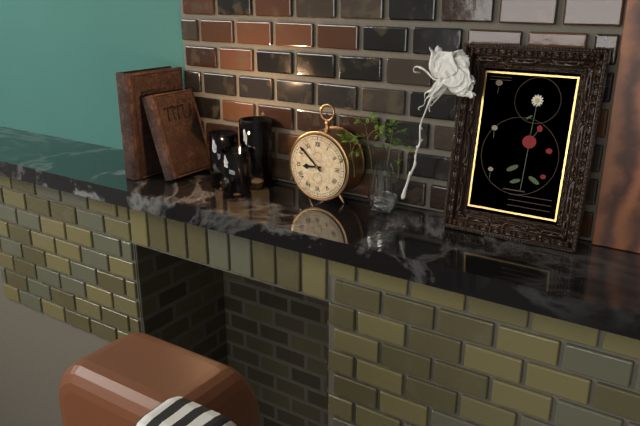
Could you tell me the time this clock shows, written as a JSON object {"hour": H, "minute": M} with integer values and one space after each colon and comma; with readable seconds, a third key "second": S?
{"hour": 8, "minute": 52}
